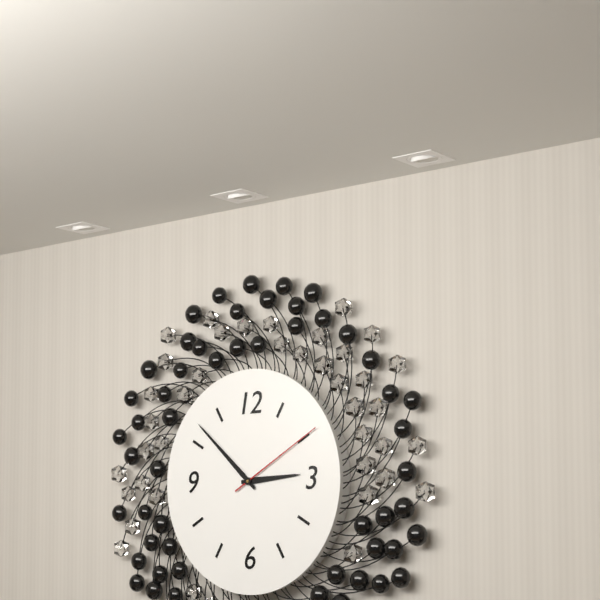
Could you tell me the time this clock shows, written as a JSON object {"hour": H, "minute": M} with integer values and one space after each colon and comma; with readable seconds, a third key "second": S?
{"hour": 2, "minute": 52, "second": 10}
